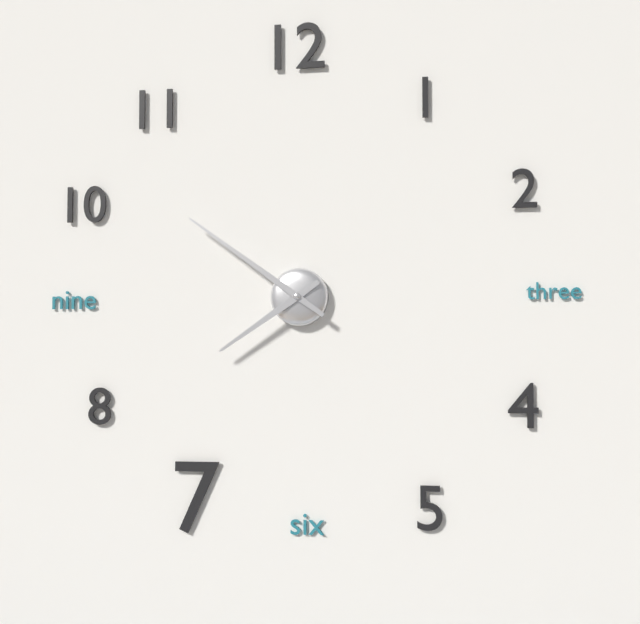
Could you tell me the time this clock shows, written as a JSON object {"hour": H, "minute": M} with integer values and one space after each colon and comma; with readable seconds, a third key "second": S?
{"hour": 7, "minute": 51}
